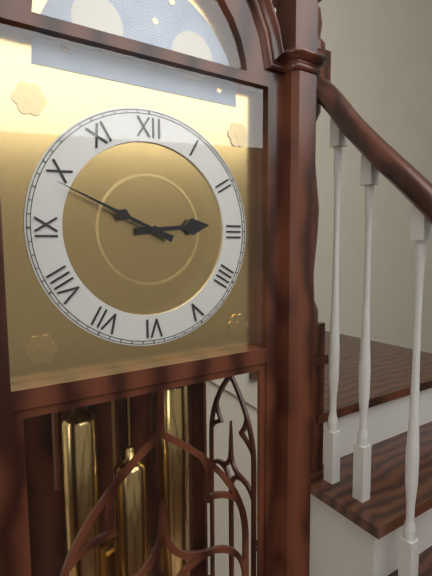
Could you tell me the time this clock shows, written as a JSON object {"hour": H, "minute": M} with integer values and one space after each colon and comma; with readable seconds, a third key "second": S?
{"hour": 2, "minute": 49}
